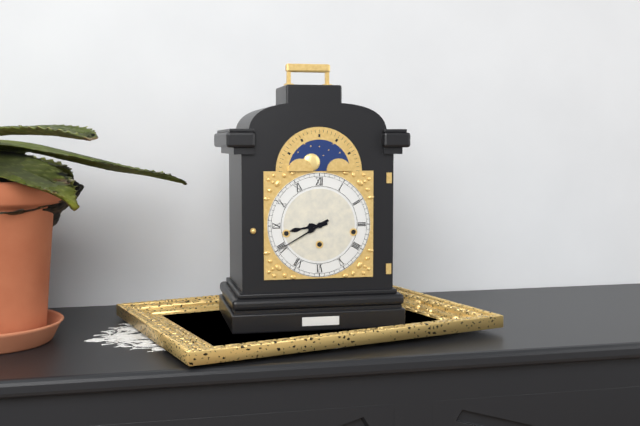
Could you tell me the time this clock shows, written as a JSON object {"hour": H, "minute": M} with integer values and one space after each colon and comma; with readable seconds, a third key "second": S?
{"hour": 8, "minute": 40}
